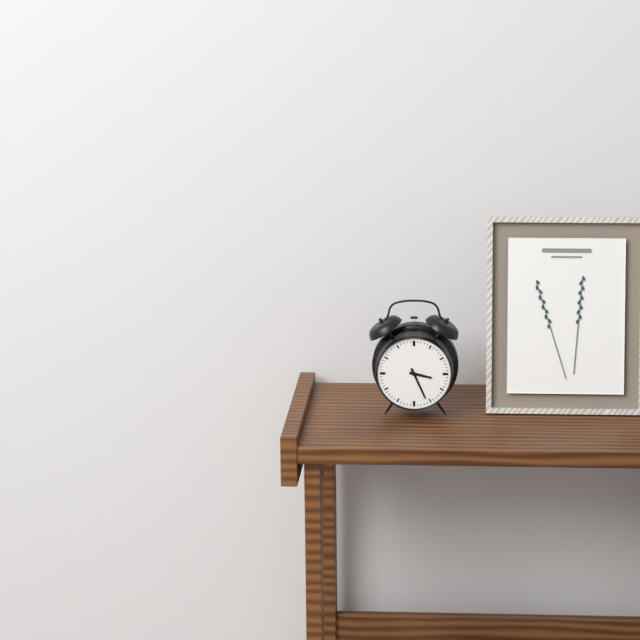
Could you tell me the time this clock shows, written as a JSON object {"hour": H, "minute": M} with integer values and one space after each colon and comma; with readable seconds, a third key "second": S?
{"hour": 3, "minute": 26}
